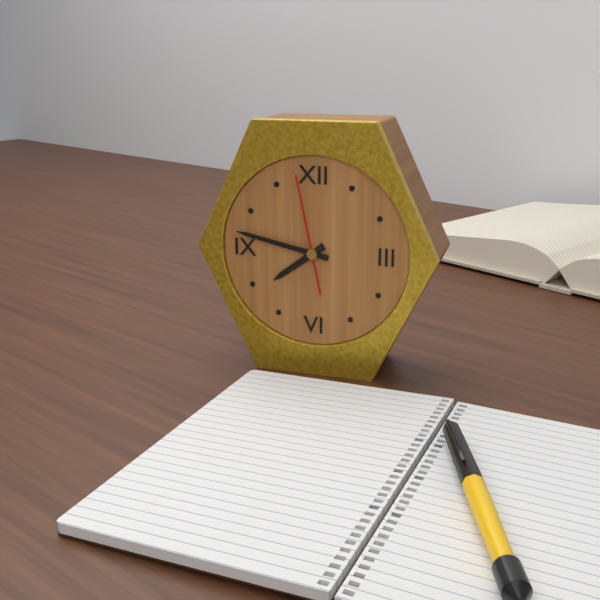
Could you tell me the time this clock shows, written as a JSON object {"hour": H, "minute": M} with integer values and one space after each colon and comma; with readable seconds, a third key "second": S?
{"hour": 7, "minute": 47, "second": 58}
